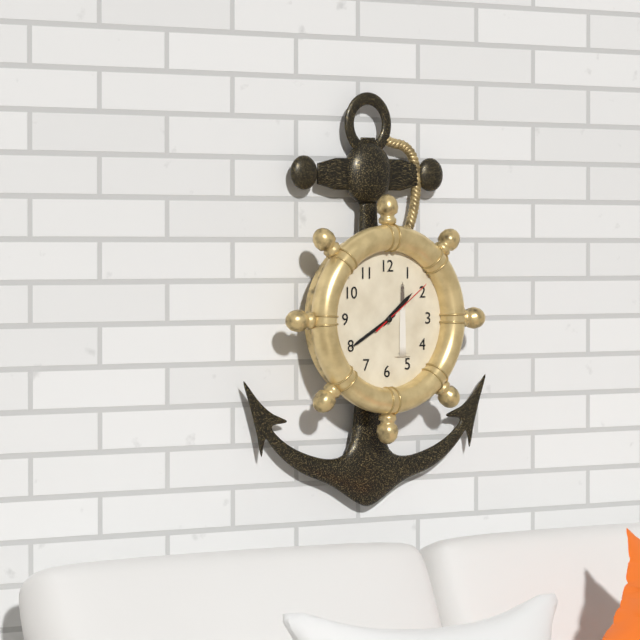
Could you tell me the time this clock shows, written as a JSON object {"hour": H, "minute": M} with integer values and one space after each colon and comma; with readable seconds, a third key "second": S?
{"hour": 1, "minute": 40, "second": 9}
